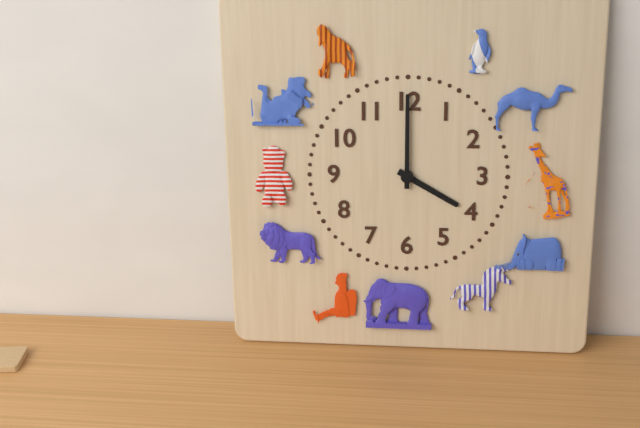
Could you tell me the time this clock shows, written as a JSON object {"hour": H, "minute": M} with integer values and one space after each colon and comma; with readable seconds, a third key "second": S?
{"hour": 4, "minute": 0}
